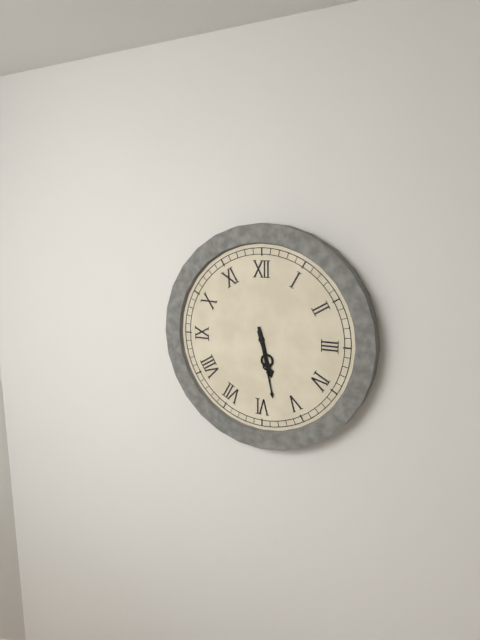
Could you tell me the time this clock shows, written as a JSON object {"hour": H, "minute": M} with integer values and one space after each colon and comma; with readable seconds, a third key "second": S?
{"hour": 5, "minute": 28}
